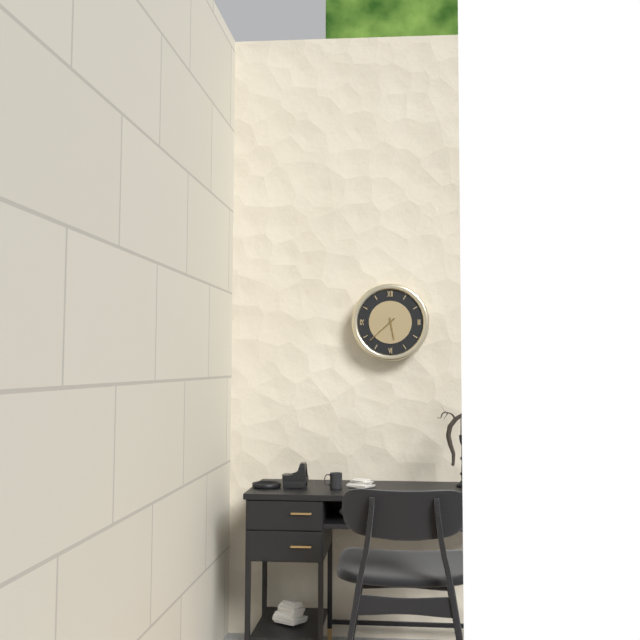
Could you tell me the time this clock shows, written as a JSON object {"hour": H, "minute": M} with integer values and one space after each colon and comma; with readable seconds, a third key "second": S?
{"hour": 5, "minute": 38}
